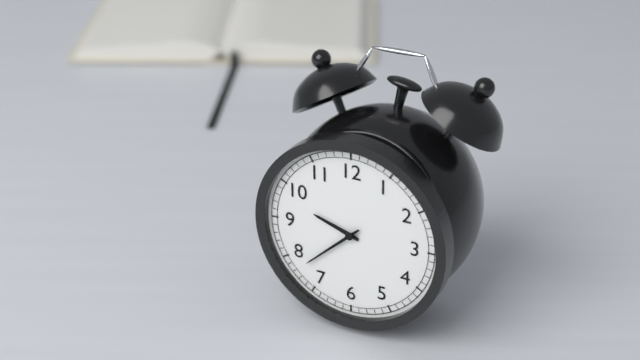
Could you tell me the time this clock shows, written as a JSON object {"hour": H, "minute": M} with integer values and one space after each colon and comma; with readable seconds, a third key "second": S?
{"hour": 9, "minute": 38}
